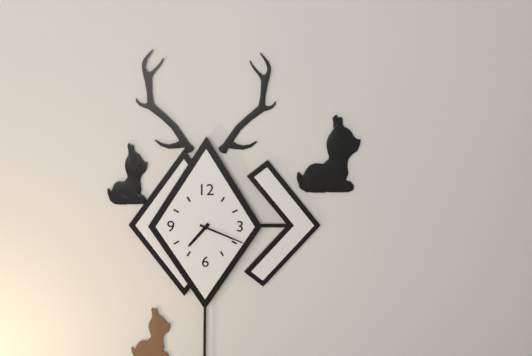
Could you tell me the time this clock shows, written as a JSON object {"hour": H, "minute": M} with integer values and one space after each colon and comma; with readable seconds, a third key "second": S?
{"hour": 7, "minute": 19}
